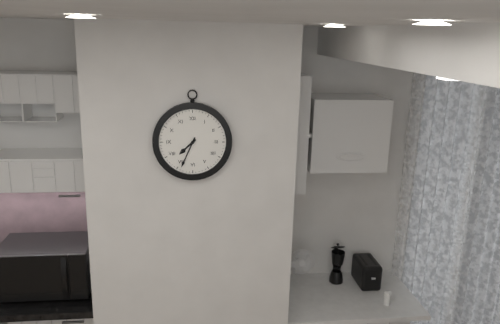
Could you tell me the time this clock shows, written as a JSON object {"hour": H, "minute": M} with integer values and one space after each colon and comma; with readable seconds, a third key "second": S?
{"hour": 7, "minute": 34}
